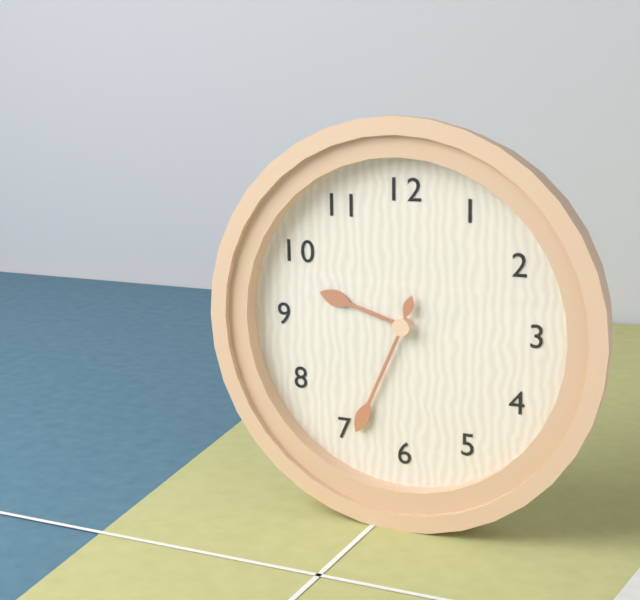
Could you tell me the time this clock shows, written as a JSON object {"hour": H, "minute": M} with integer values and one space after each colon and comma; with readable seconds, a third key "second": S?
{"hour": 9, "minute": 34}
